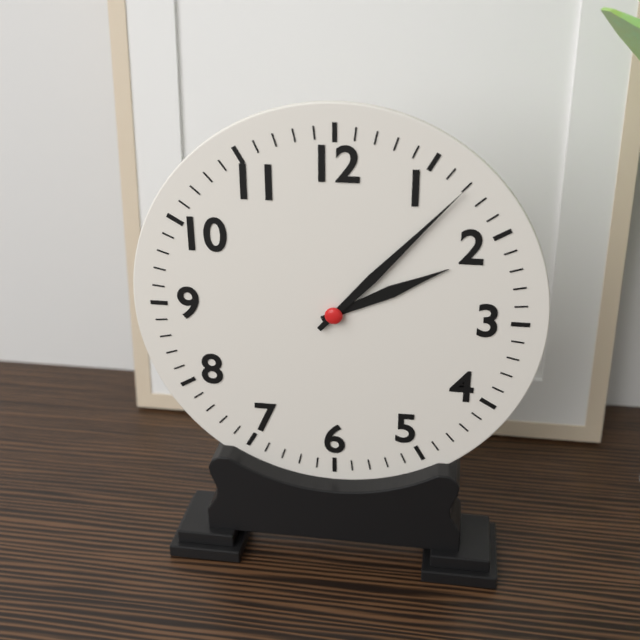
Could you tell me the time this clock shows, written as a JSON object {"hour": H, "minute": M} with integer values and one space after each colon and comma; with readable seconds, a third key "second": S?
{"hour": 2, "minute": 7}
